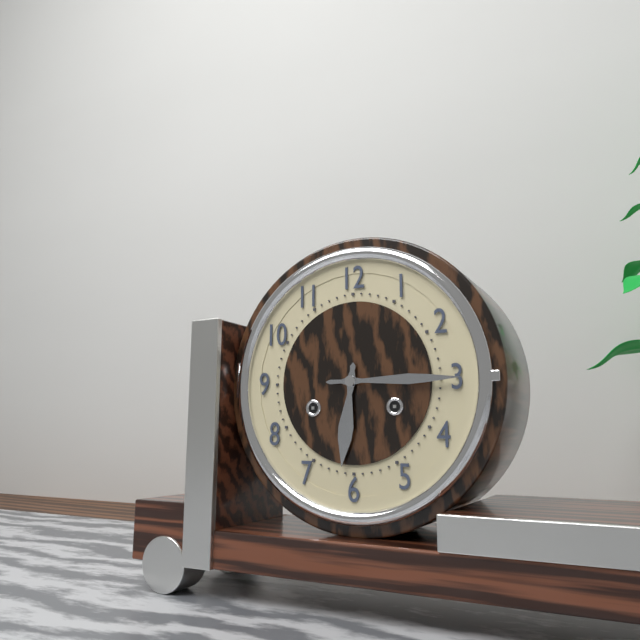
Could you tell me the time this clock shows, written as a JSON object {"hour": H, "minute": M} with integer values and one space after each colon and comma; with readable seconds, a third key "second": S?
{"hour": 6, "minute": 15}
